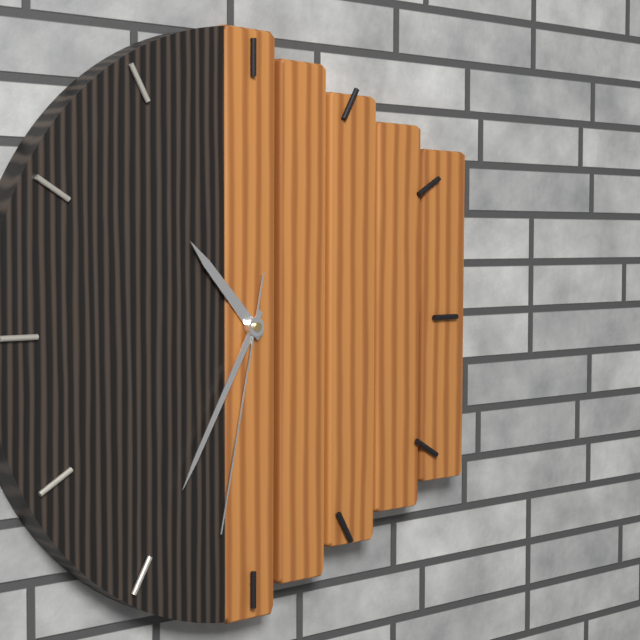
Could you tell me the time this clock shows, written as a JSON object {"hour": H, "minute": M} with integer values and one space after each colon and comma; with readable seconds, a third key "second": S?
{"hour": 10, "minute": 35, "second": 32}
